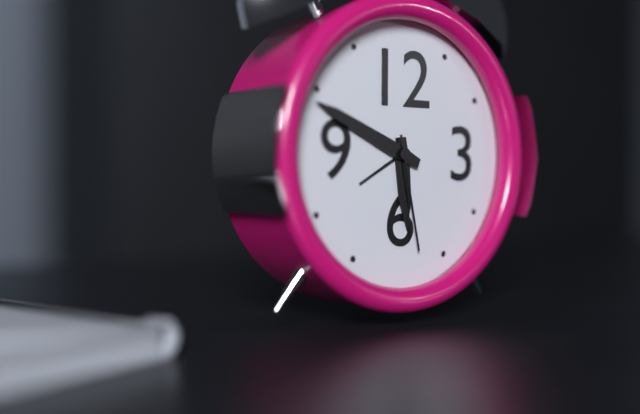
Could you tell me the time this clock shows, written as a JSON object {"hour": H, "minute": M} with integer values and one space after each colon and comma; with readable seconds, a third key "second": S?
{"hour": 5, "minute": 49, "second": 28}
